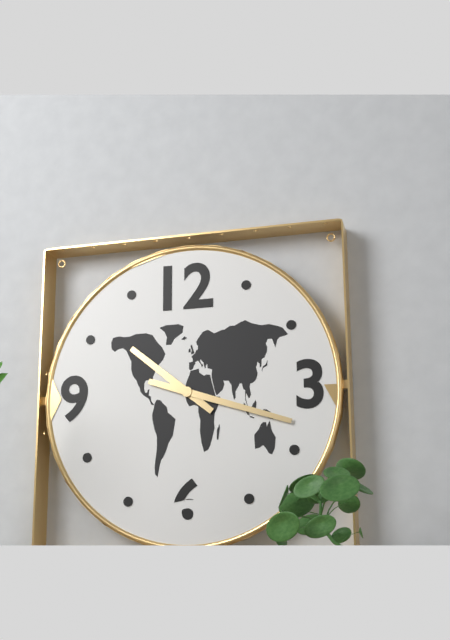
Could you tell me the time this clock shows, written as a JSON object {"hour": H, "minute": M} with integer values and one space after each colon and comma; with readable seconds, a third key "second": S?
{"hour": 10, "minute": 18}
